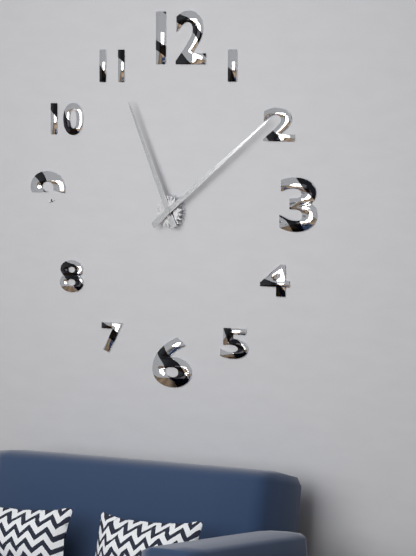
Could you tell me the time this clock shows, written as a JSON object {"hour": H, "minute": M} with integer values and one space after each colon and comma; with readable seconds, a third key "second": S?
{"hour": 11, "minute": 9}
